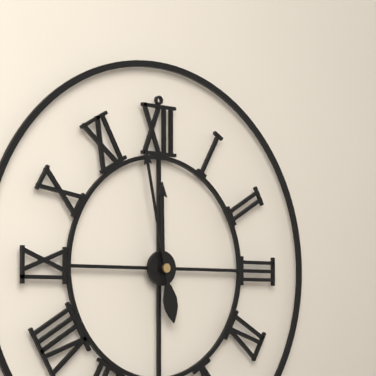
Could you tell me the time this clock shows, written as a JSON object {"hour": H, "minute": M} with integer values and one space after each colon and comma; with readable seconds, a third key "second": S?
{"hour": 11, "minute": 58}
